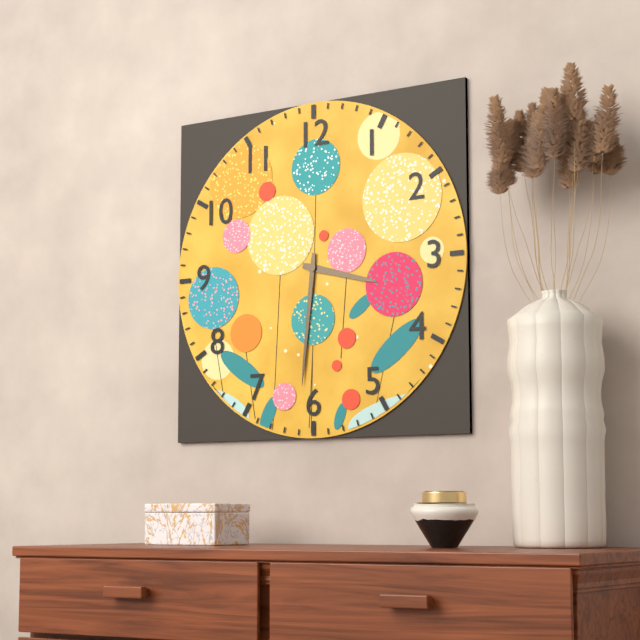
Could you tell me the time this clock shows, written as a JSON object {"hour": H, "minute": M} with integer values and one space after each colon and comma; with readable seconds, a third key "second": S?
{"hour": 3, "minute": 31}
